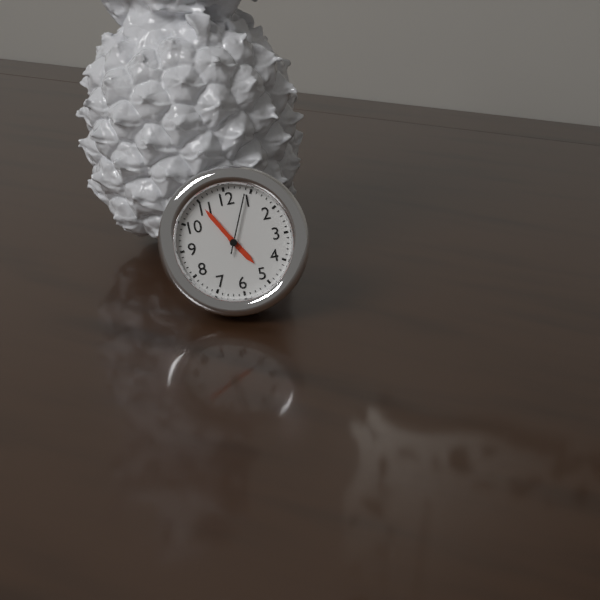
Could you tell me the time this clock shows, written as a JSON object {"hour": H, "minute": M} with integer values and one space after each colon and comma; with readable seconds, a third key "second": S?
{"hour": 4, "minute": 55, "second": 4}
